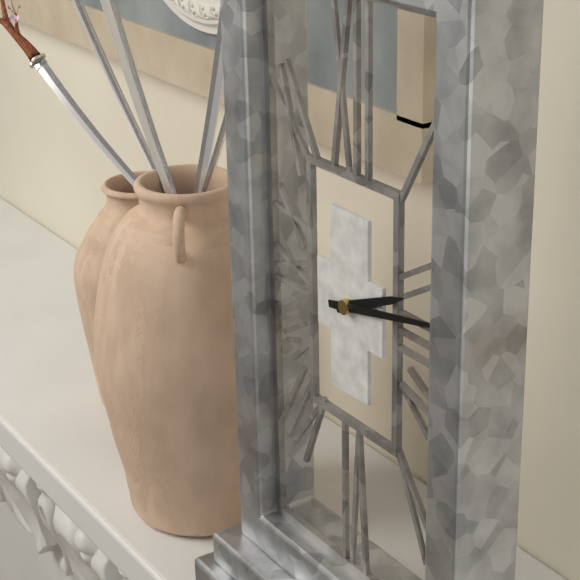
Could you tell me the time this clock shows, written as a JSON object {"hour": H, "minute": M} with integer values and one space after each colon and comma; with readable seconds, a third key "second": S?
{"hour": 2, "minute": 13}
